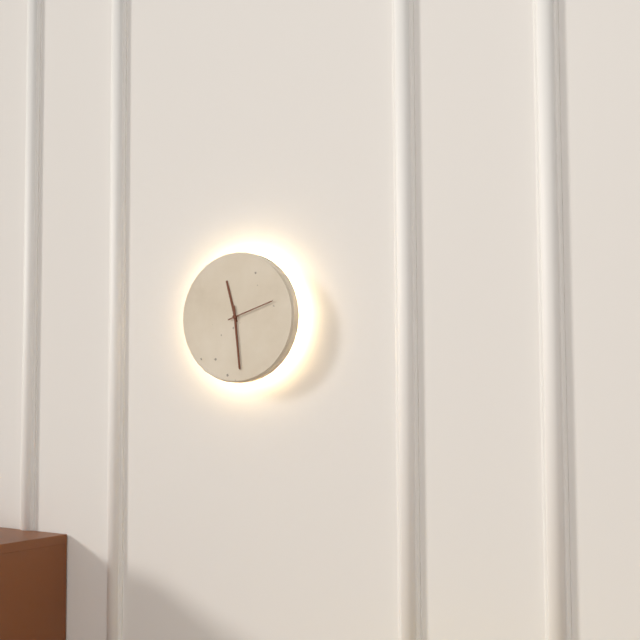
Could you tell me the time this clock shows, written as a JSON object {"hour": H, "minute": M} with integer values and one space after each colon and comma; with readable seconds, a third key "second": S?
{"hour": 11, "minute": 29, "second": 12}
